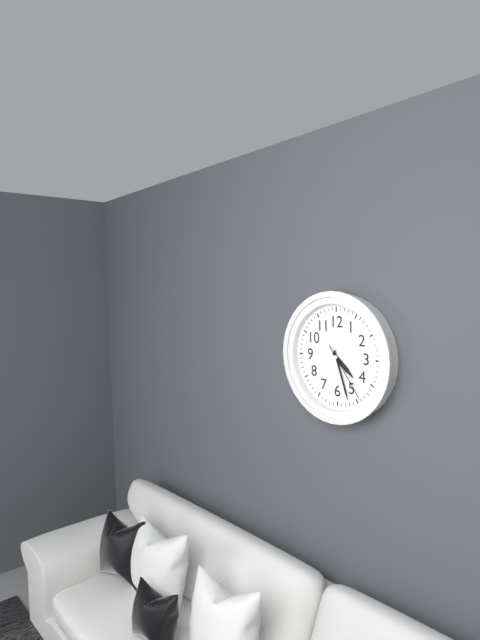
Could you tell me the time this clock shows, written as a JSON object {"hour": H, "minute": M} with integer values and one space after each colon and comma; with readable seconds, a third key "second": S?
{"hour": 4, "minute": 27, "second": 24}
